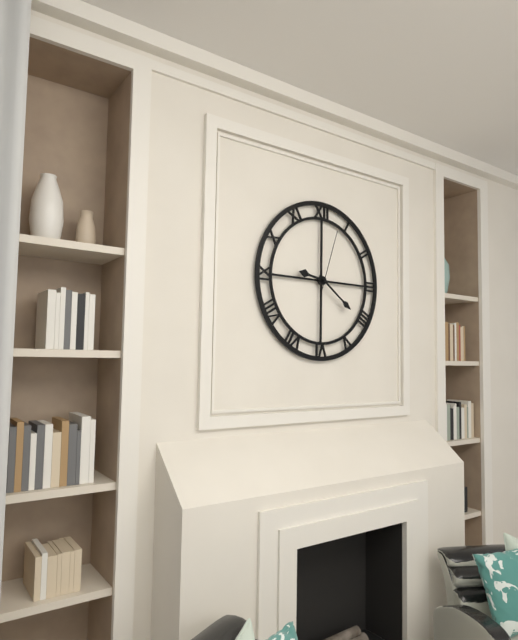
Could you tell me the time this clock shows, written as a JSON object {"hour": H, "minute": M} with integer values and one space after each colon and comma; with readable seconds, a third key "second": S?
{"hour": 9, "minute": 21, "second": 3}
